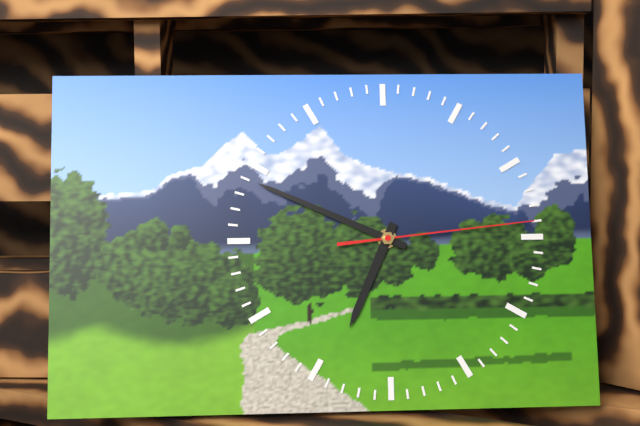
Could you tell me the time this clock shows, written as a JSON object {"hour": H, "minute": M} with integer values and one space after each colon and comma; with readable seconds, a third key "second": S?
{"hour": 6, "minute": 49, "second": 14}
